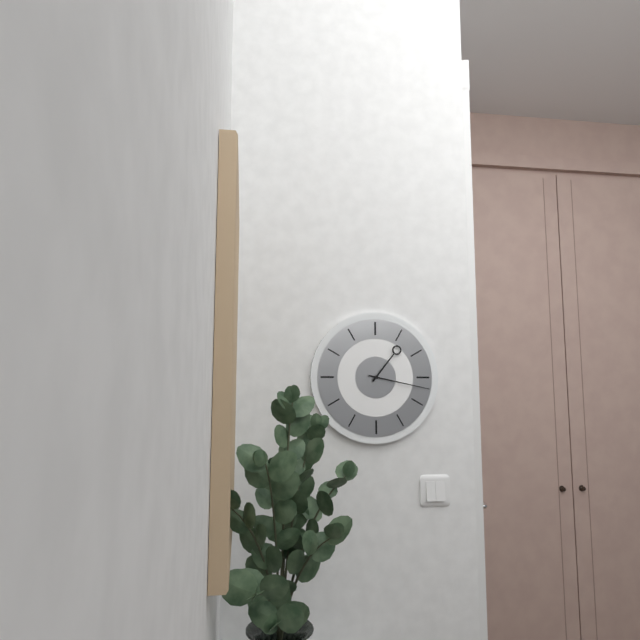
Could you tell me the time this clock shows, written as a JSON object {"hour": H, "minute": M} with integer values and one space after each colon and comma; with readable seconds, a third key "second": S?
{"hour": 1, "minute": 17}
